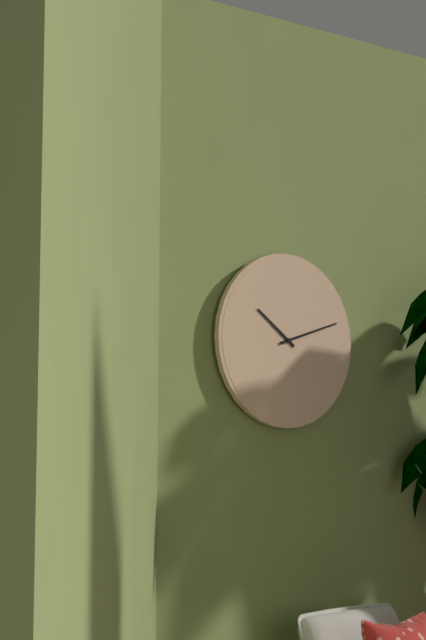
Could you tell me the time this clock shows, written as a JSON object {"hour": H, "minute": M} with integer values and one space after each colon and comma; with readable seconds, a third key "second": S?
{"hour": 10, "minute": 12}
